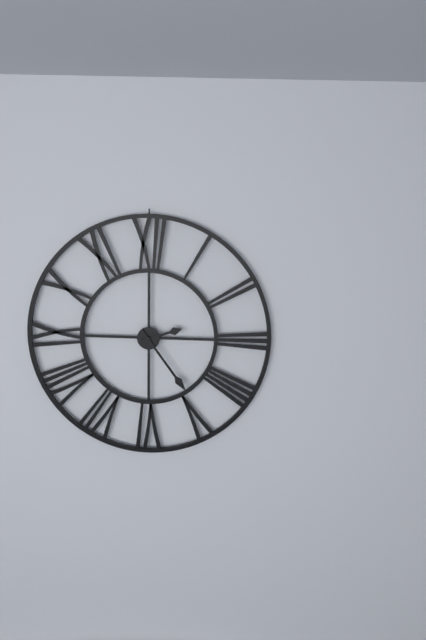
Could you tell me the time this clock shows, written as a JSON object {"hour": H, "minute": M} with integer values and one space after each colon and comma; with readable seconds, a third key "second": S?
{"hour": 2, "minute": 24}
